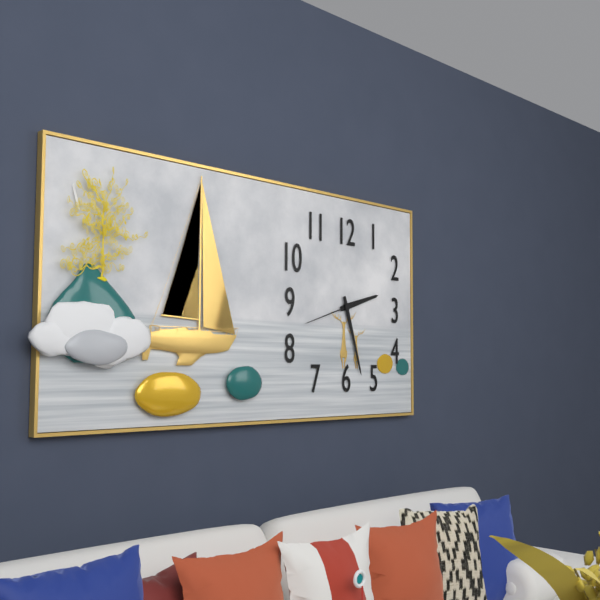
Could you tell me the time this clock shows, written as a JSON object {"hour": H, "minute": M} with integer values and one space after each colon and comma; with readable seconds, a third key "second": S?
{"hour": 2, "minute": 27, "second": 42}
